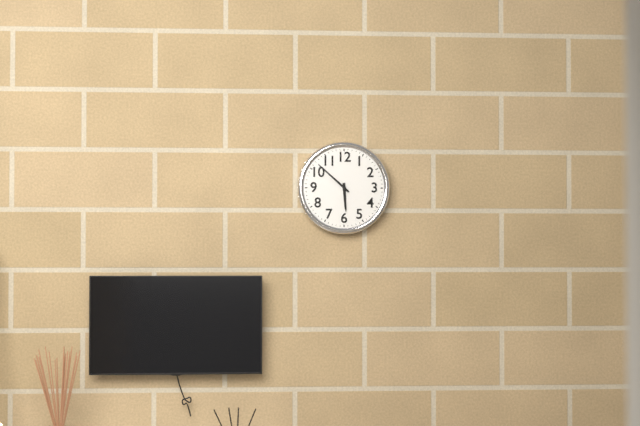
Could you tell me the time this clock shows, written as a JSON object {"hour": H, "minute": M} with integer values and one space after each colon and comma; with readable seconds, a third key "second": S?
{"hour": 5, "minute": 52}
